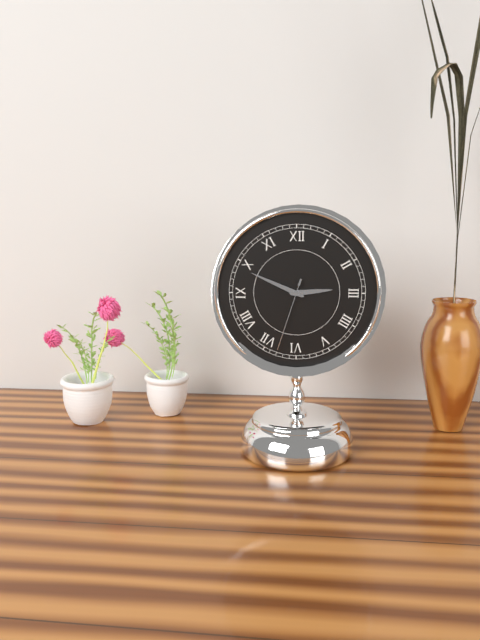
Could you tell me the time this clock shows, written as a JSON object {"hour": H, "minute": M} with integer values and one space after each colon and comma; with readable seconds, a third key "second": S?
{"hour": 2, "minute": 49, "second": 33}
